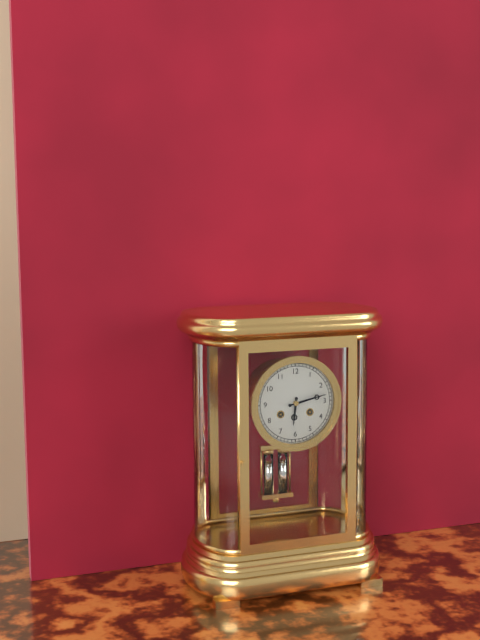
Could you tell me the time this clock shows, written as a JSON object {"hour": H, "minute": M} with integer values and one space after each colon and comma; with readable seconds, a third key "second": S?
{"hour": 6, "minute": 13}
